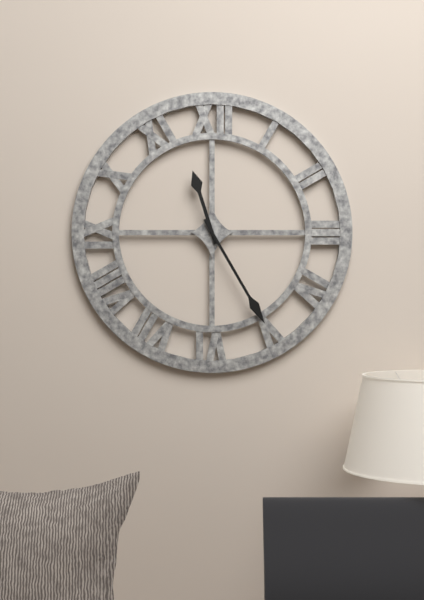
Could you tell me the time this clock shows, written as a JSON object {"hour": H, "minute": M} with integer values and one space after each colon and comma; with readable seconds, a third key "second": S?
{"hour": 11, "minute": 25}
